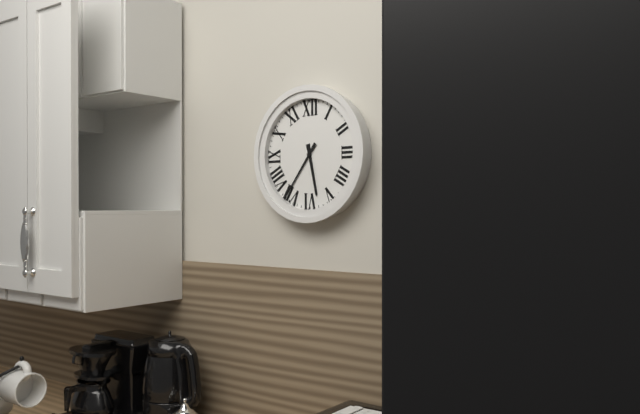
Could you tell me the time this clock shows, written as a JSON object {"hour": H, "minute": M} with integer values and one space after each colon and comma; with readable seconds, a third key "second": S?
{"hour": 5, "minute": 36}
